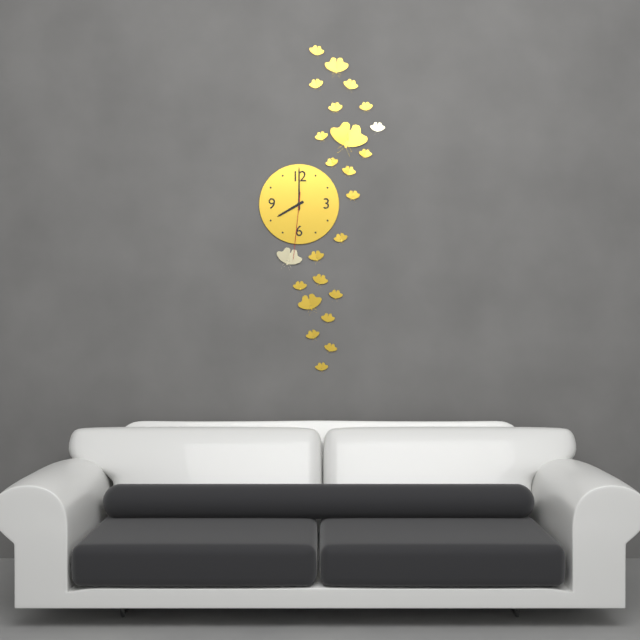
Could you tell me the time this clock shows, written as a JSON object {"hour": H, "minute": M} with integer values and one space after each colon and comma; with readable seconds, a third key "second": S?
{"hour": 8, "minute": 0, "second": 31}
